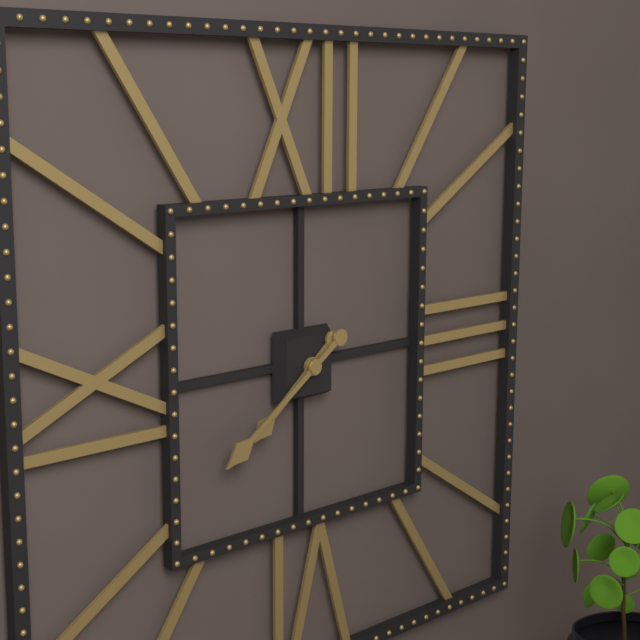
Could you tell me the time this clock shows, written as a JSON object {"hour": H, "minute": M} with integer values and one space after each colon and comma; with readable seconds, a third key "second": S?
{"hour": 7, "minute": 39}
